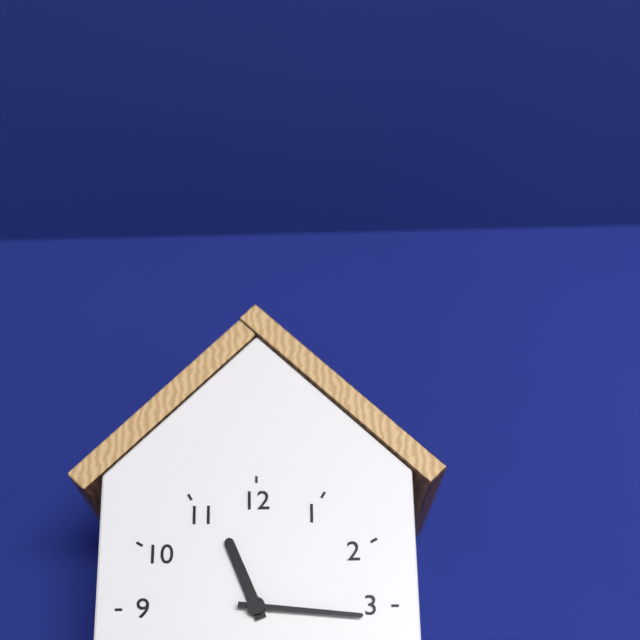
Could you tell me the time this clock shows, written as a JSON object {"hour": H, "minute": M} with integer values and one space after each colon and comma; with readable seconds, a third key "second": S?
{"hour": 11, "minute": 16}
